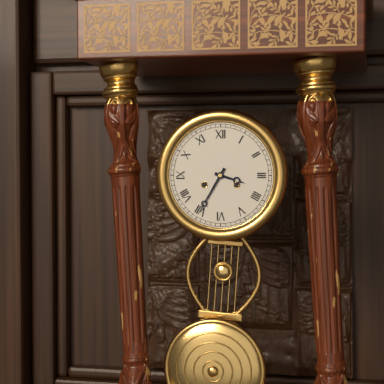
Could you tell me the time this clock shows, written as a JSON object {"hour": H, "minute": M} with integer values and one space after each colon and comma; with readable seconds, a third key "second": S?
{"hour": 3, "minute": 35}
